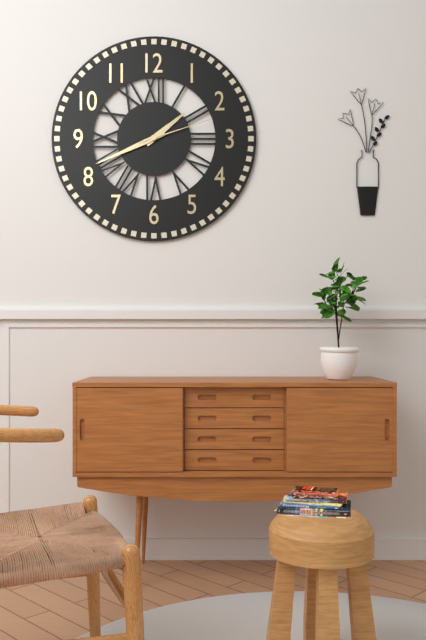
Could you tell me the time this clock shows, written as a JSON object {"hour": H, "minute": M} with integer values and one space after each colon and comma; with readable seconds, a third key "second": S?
{"hour": 1, "minute": 41, "second": 12}
